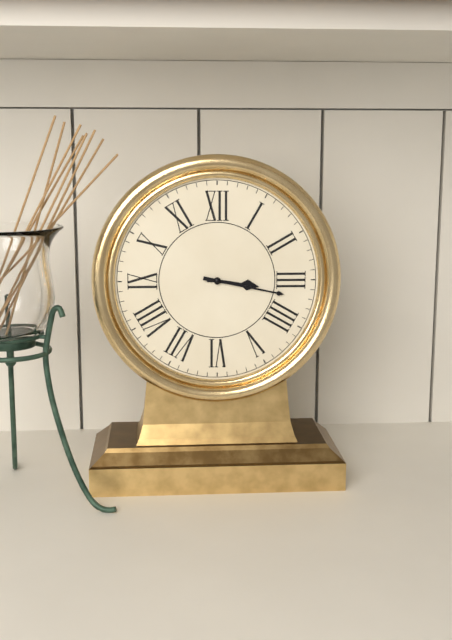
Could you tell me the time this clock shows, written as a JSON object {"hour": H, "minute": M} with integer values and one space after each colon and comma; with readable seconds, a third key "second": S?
{"hour": 3, "minute": 17}
